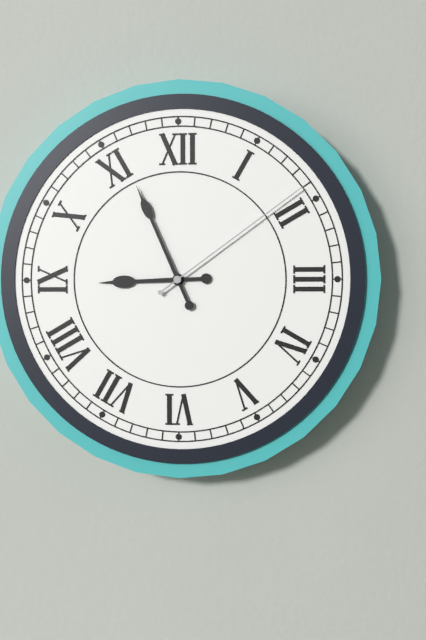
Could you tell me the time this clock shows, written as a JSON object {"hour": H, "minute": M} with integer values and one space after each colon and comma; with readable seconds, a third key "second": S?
{"hour": 8, "minute": 56, "second": 9}
